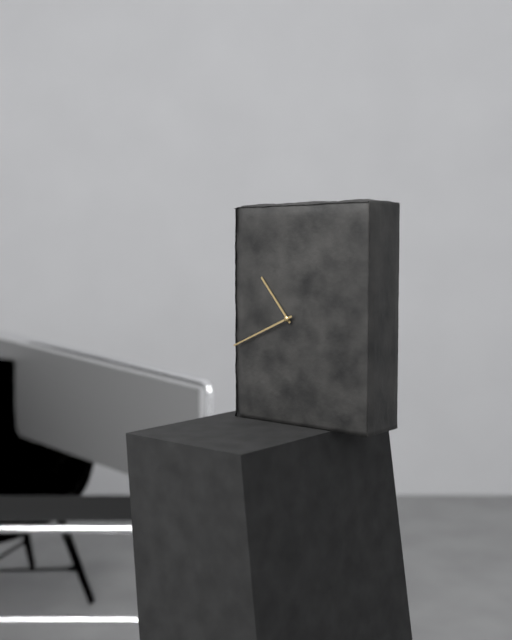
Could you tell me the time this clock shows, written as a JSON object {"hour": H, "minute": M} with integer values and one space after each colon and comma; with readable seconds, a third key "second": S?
{"hour": 10, "minute": 41}
